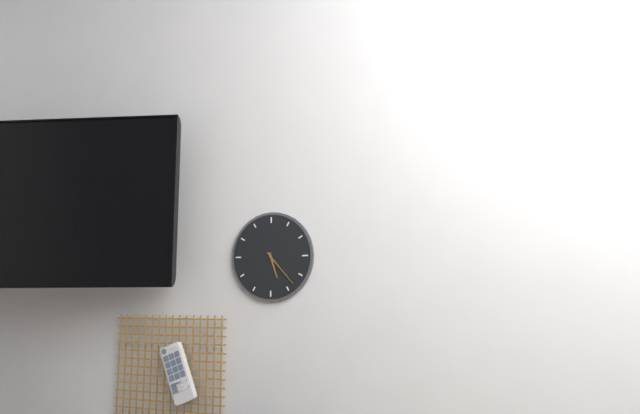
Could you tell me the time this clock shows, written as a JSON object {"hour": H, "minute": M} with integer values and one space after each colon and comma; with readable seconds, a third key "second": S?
{"hour": 5, "minute": 23}
